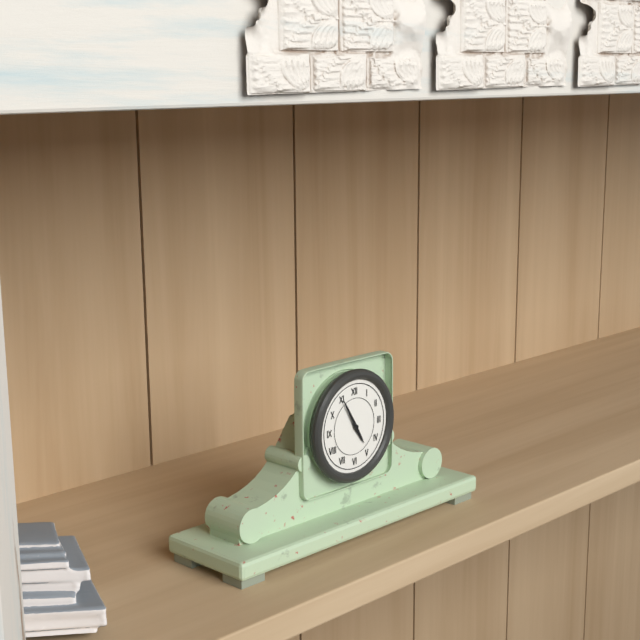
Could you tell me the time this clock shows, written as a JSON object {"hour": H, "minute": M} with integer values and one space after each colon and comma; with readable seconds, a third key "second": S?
{"hour": 4, "minute": 55}
